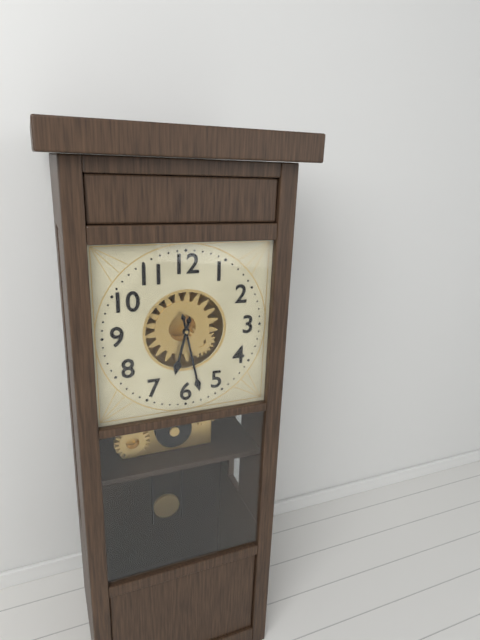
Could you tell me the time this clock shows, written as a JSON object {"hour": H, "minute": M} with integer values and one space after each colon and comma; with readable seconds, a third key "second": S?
{"hour": 6, "minute": 28}
